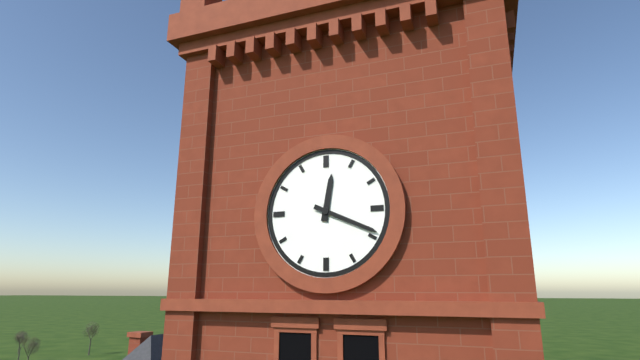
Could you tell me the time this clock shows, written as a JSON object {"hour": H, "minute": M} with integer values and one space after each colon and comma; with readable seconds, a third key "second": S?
{"hour": 12, "minute": 19}
